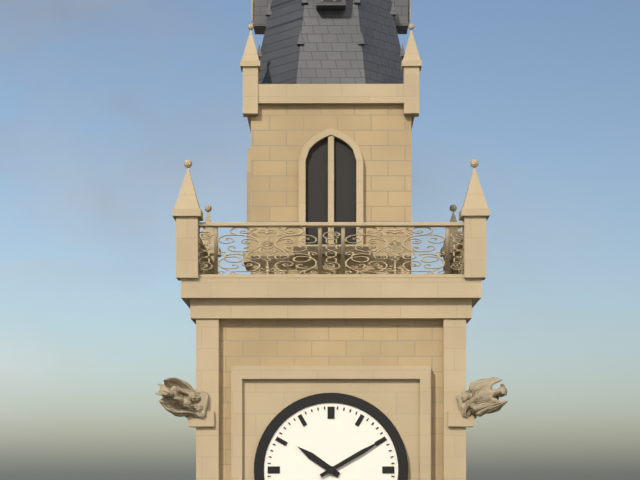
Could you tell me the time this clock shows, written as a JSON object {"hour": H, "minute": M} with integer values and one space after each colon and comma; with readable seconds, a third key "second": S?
{"hour": 10, "minute": 10}
